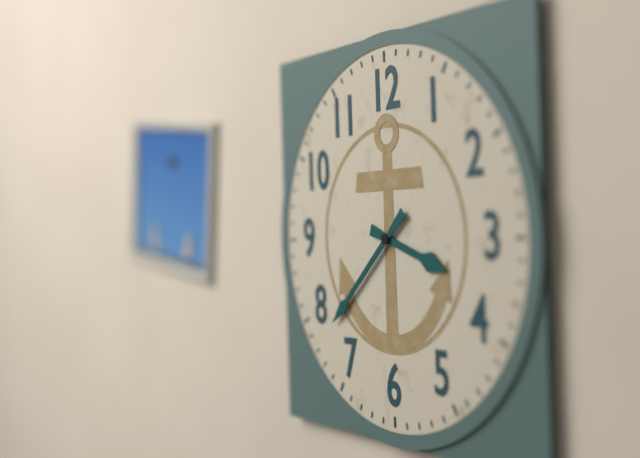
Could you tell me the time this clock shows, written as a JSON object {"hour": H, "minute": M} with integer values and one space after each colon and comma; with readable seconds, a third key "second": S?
{"hour": 3, "minute": 38}
